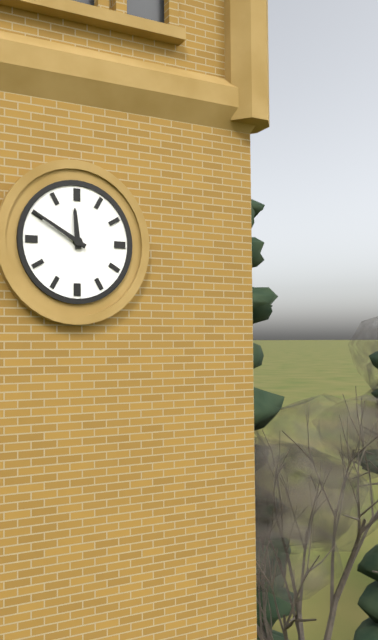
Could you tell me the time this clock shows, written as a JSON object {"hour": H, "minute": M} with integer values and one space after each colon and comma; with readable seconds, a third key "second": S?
{"hour": 11, "minute": 50}
